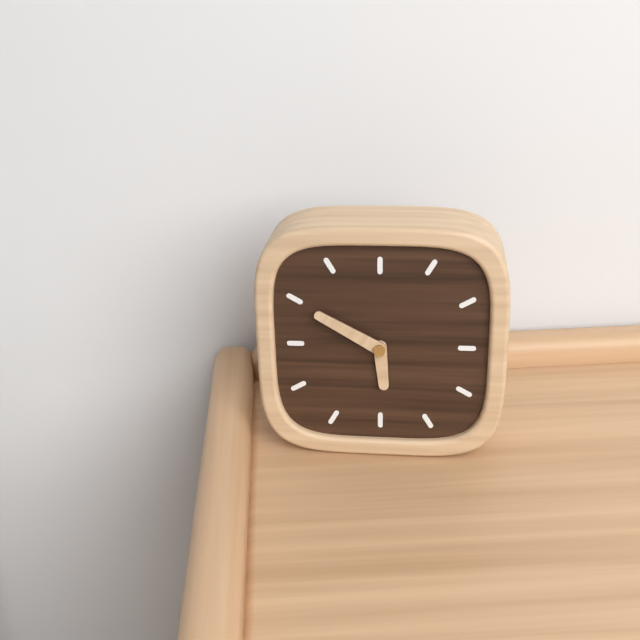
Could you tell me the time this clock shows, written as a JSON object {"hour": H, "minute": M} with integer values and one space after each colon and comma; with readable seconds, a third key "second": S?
{"hour": 5, "minute": 50}
